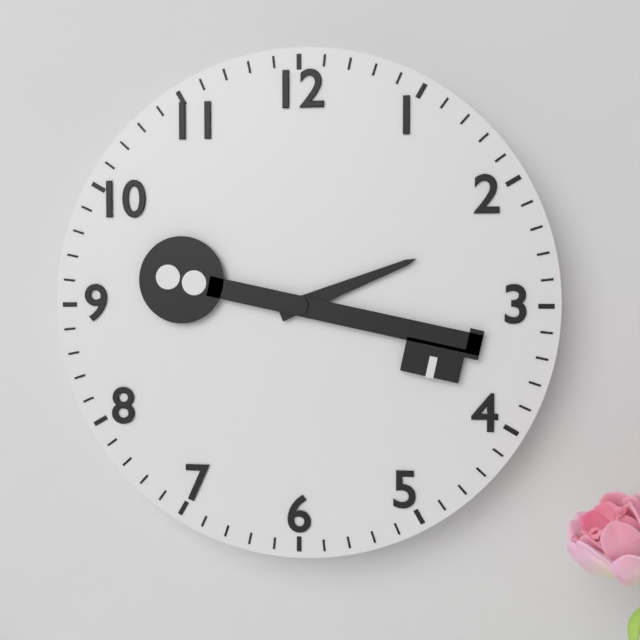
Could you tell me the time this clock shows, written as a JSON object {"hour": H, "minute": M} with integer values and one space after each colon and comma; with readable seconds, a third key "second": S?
{"hour": 2, "minute": 17}
